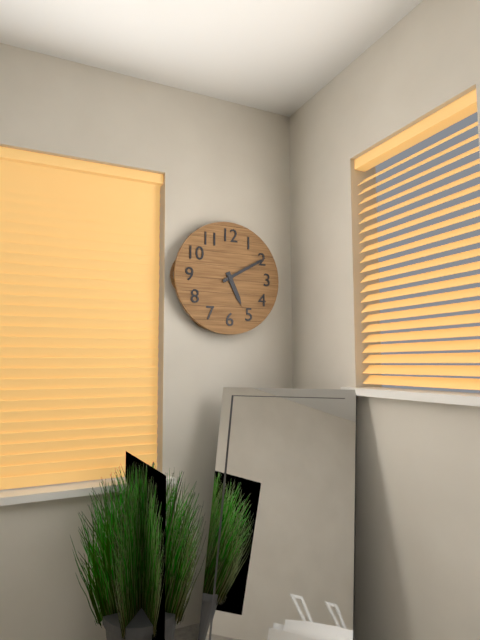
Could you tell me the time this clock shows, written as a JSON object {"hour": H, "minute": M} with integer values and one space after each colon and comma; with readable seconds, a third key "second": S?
{"hour": 5, "minute": 10}
